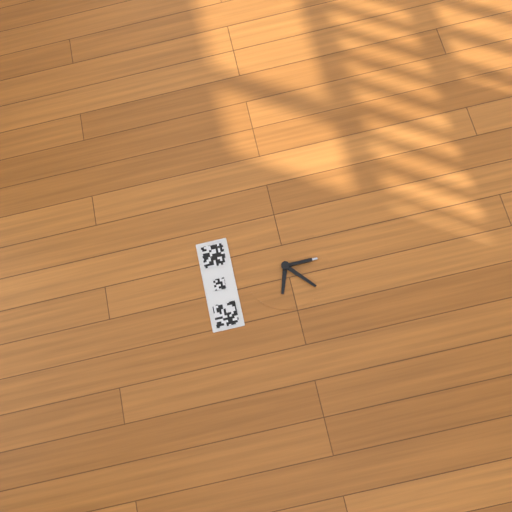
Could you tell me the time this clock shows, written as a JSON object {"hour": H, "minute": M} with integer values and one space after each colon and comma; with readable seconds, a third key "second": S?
{"hour": 9, "minute": 38}
